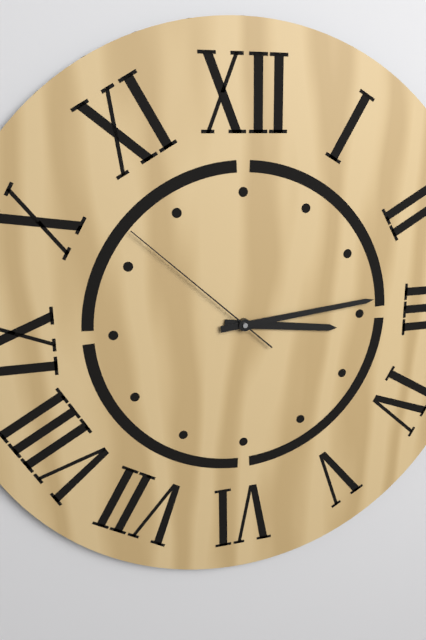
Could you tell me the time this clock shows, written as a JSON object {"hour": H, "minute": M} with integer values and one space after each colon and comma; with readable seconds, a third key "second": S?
{"hour": 3, "minute": 14, "second": 52}
